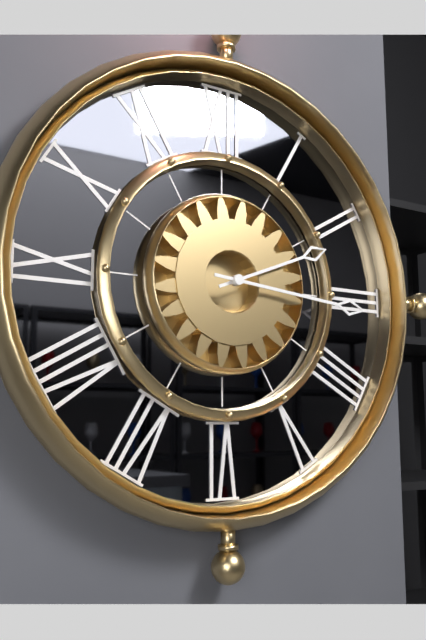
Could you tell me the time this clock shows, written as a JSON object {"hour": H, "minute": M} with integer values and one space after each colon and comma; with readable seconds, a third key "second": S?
{"hour": 2, "minute": 16}
